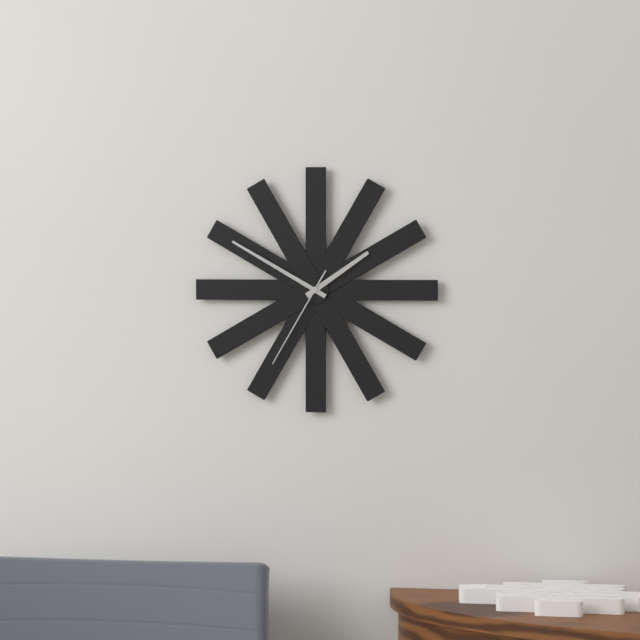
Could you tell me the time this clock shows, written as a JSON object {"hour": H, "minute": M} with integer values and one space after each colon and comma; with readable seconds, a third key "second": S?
{"hour": 1, "minute": 50, "second": 35}
